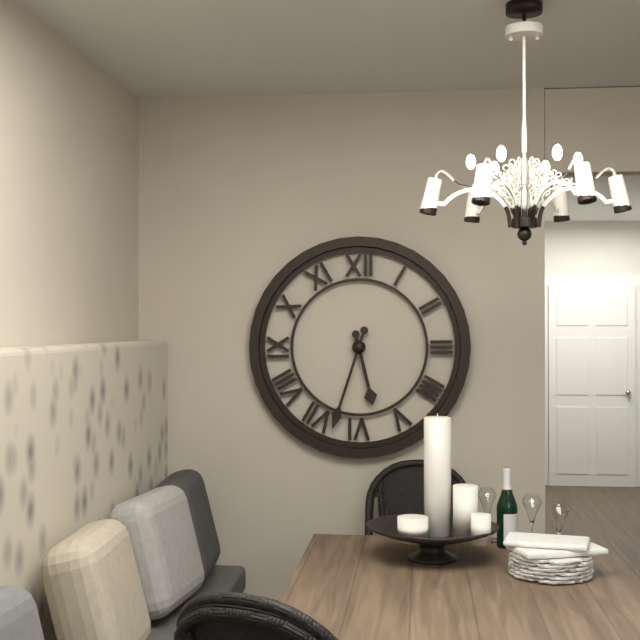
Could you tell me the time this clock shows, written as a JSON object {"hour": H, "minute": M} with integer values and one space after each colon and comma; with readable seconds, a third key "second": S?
{"hour": 5, "minute": 33}
